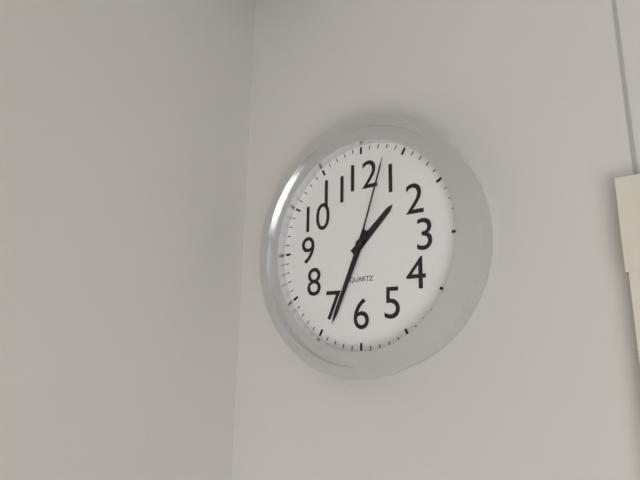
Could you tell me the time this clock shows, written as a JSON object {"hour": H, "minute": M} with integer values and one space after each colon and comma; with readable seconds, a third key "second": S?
{"hour": 1, "minute": 34, "second": 3}
